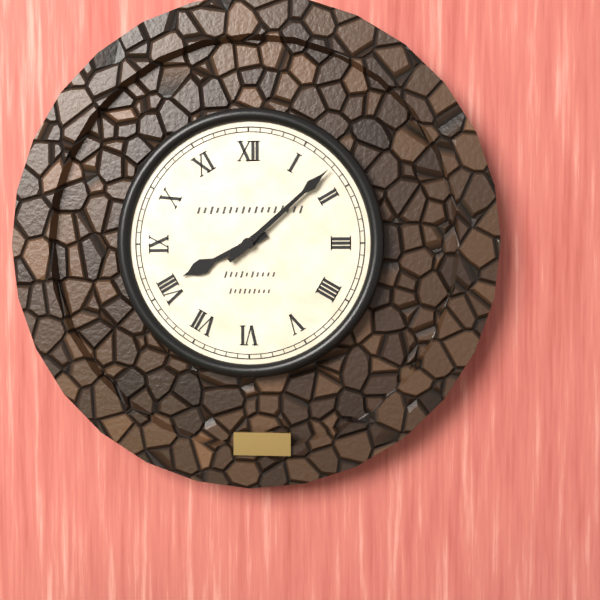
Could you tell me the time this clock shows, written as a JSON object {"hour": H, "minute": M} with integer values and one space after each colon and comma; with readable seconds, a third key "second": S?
{"hour": 8, "minute": 8}
